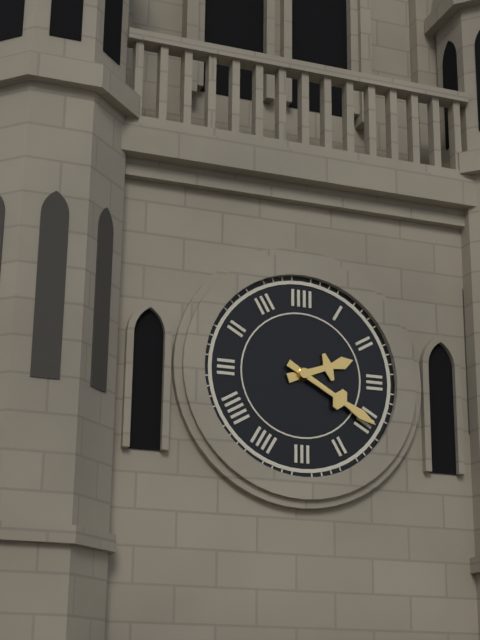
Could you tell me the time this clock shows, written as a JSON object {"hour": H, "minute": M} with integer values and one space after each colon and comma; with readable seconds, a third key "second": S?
{"hour": 2, "minute": 20}
